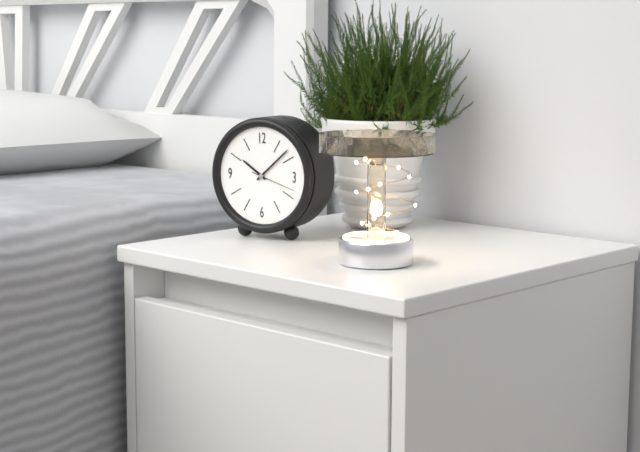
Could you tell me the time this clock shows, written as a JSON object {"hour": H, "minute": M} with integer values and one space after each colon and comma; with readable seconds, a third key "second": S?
{"hour": 10, "minute": 8}
